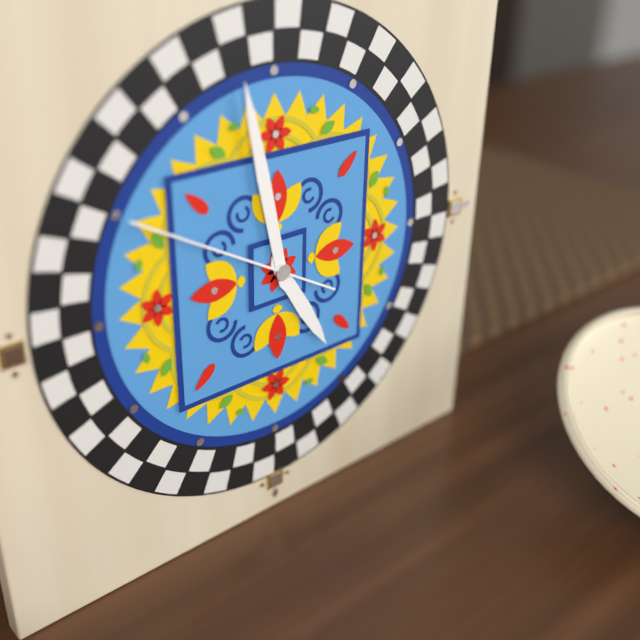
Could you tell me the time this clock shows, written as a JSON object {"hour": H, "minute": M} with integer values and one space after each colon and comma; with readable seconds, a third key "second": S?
{"hour": 4, "minute": 58, "second": 50}
